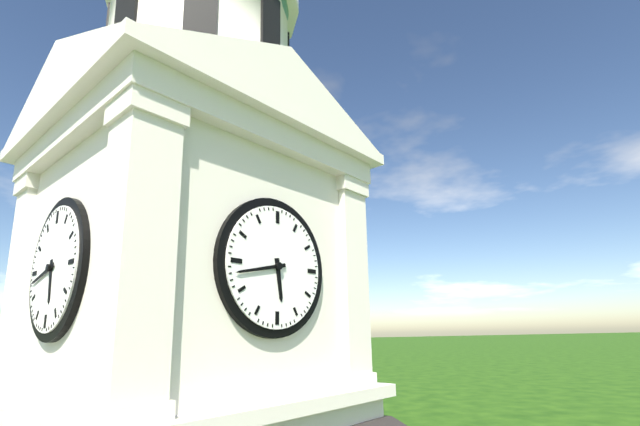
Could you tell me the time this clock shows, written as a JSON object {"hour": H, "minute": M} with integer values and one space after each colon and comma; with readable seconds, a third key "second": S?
{"hour": 5, "minute": 43}
